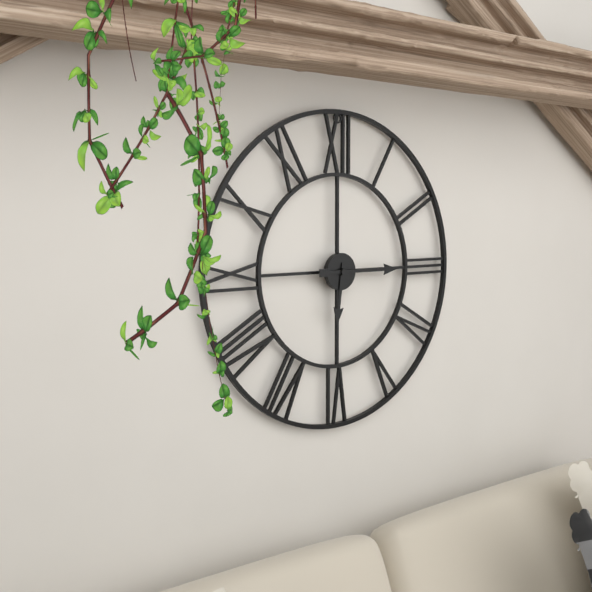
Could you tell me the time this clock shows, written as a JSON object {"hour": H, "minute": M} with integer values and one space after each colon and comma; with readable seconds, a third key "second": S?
{"hour": 6, "minute": 15}
